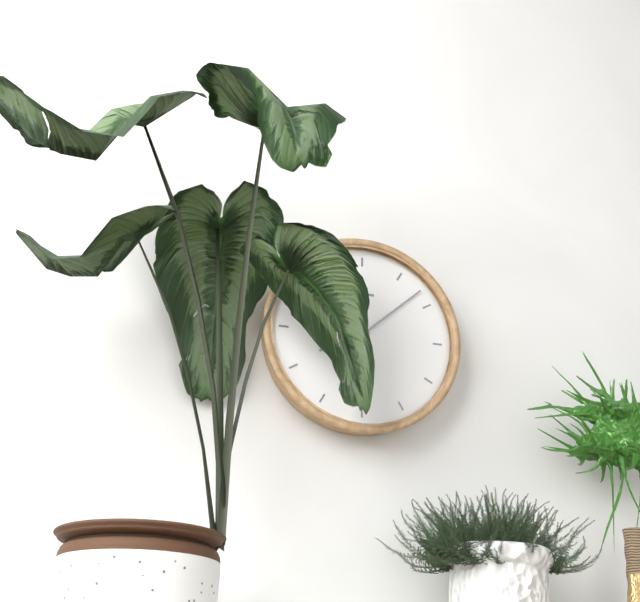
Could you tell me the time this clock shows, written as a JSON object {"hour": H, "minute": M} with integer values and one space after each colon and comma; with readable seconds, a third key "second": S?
{"hour": 8, "minute": 8}
